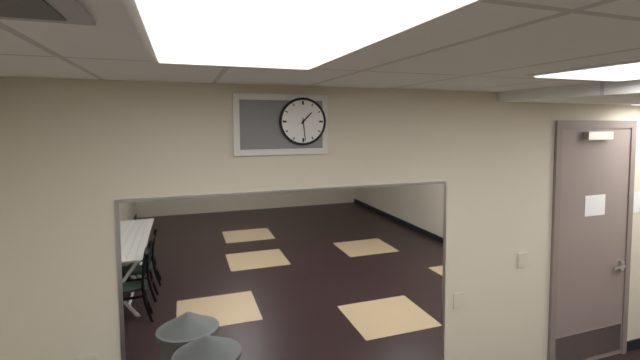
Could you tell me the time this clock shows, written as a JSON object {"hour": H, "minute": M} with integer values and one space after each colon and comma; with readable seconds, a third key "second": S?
{"hour": 1, "minute": 29}
